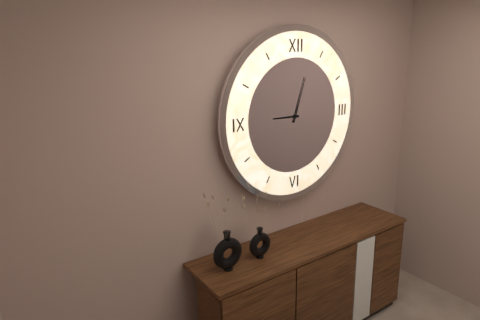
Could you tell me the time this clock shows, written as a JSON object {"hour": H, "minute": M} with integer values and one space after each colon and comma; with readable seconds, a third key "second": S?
{"hour": 9, "minute": 3}
